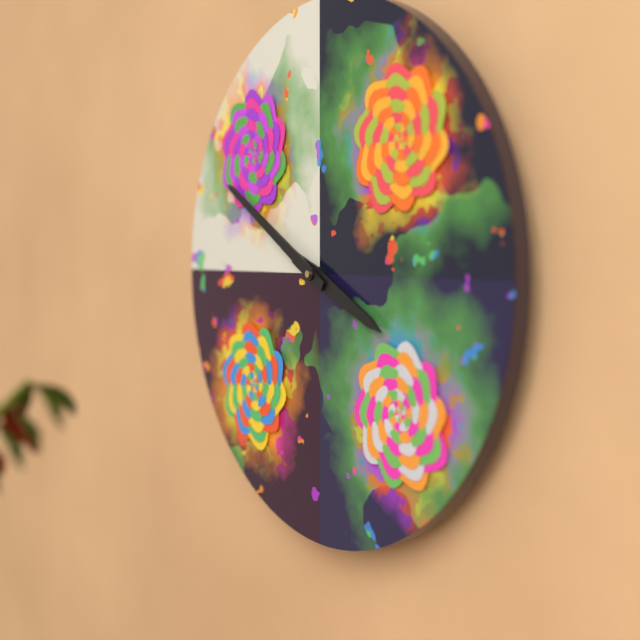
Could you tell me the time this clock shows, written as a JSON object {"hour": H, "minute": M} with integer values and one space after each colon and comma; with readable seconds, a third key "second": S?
{"hour": 3, "minute": 50}
